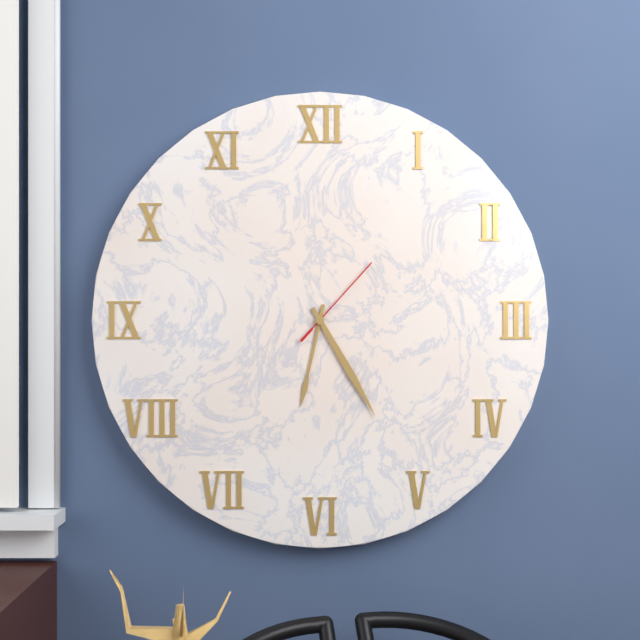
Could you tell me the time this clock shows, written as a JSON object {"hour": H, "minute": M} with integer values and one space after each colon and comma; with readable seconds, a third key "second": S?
{"hour": 6, "minute": 25, "second": 7}
